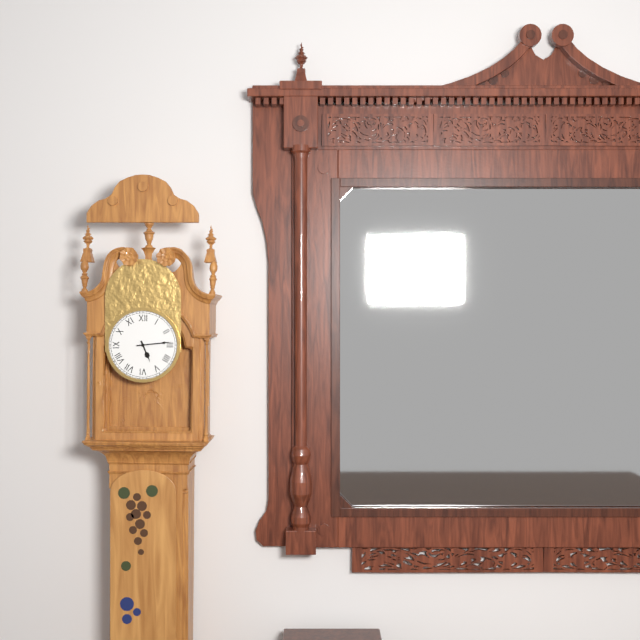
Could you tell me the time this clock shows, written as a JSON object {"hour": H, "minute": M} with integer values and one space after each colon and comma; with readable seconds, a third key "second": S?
{"hour": 5, "minute": 14}
